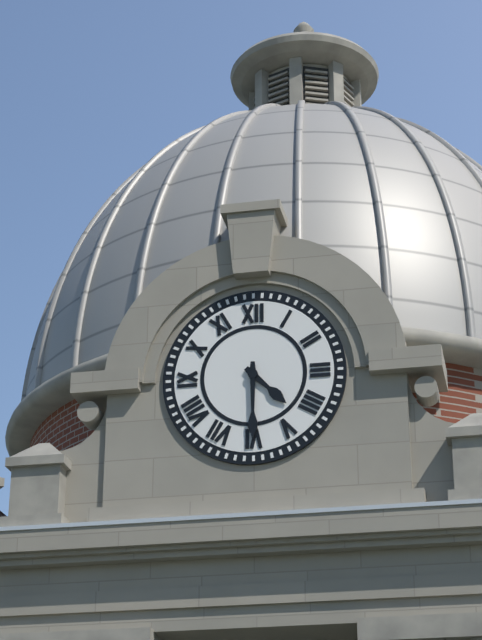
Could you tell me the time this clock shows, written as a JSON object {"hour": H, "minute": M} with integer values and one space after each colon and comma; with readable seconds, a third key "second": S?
{"hour": 4, "minute": 30}
